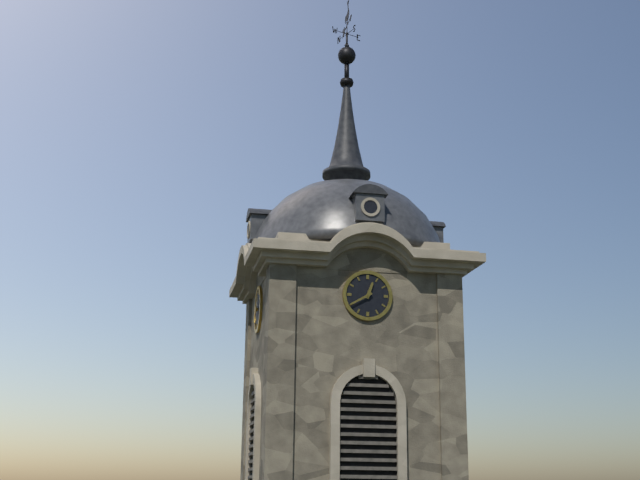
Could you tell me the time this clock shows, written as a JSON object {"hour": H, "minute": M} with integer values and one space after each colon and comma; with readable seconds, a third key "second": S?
{"hour": 12, "minute": 40}
